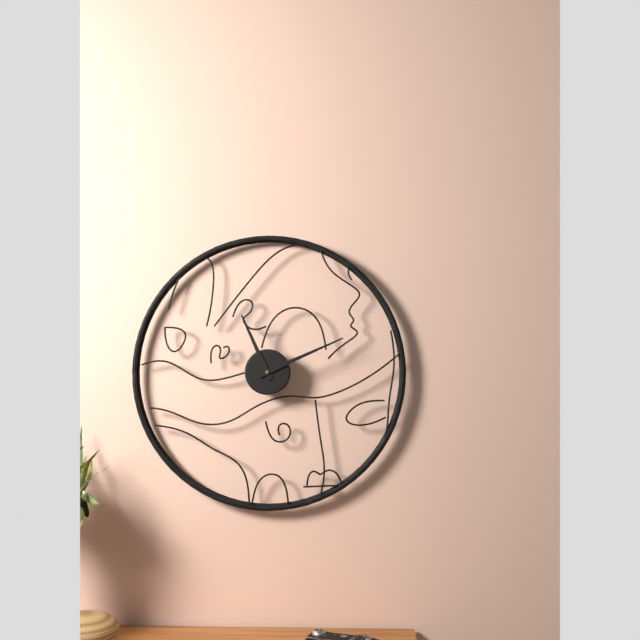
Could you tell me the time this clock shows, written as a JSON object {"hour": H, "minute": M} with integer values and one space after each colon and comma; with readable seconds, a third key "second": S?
{"hour": 11, "minute": 11}
